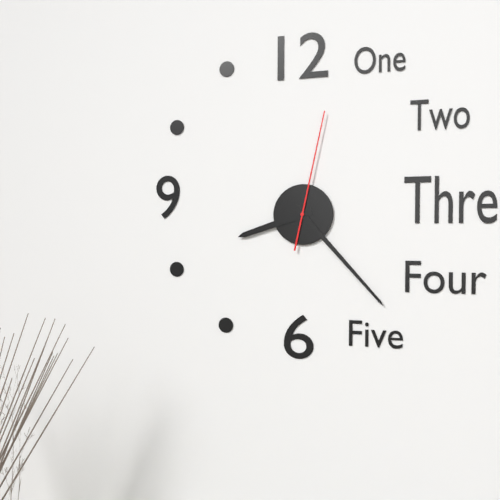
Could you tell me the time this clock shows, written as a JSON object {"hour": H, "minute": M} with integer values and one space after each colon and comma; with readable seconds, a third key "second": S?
{"hour": 8, "minute": 23, "second": 2}
